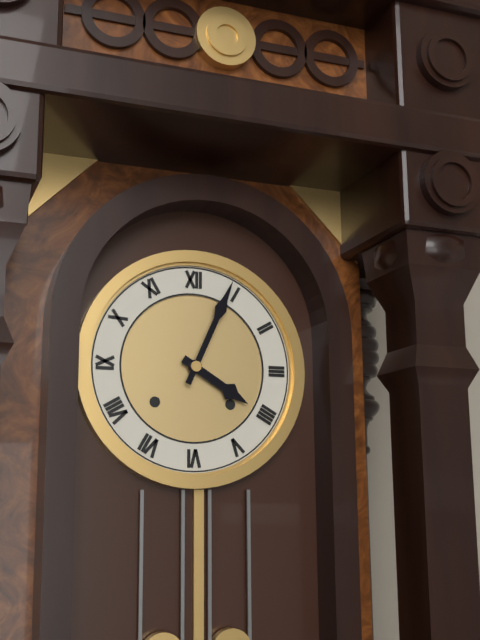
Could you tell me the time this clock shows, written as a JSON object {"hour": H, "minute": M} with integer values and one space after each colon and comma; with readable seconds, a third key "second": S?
{"hour": 4, "minute": 4}
